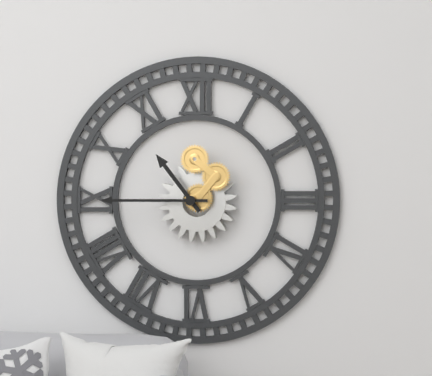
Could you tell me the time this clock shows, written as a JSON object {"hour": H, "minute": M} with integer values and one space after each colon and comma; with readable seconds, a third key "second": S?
{"hour": 10, "minute": 45}
